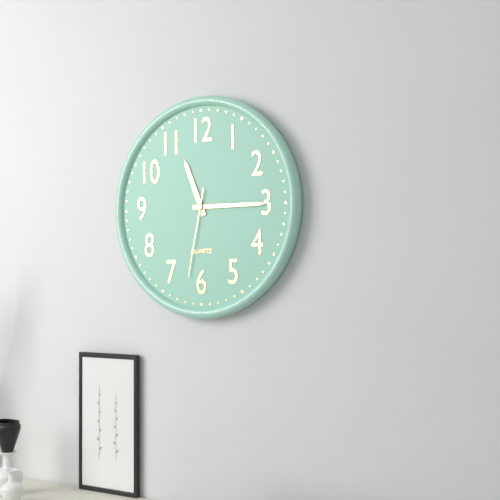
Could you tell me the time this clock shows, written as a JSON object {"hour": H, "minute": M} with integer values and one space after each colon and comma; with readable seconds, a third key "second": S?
{"hour": 11, "minute": 15, "second": 32}
